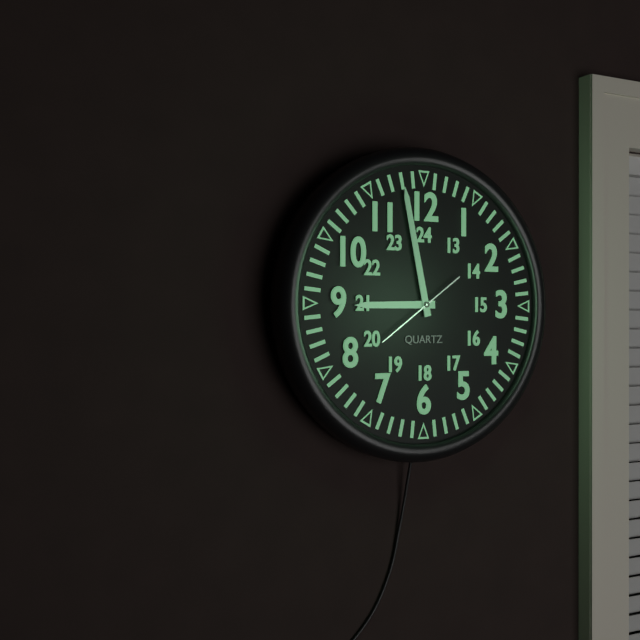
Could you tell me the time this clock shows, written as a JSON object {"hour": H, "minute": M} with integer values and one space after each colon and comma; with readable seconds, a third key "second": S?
{"hour": 8, "minute": 58, "second": 39}
